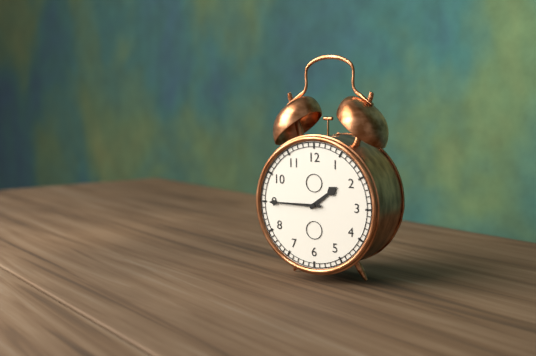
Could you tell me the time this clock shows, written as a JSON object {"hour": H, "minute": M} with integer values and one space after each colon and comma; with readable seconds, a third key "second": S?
{"hour": 1, "minute": 45}
